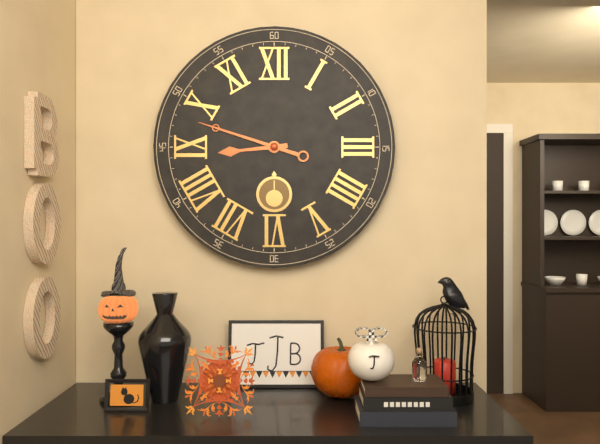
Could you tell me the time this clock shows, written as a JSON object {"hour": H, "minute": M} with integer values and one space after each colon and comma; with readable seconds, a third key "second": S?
{"hour": 8, "minute": 48}
